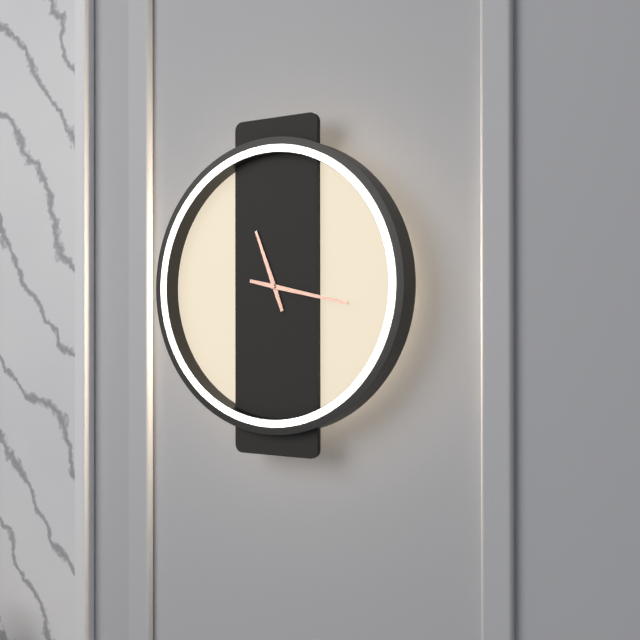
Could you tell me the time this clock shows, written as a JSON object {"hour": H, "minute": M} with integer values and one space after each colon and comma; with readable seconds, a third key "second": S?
{"hour": 11, "minute": 17}
